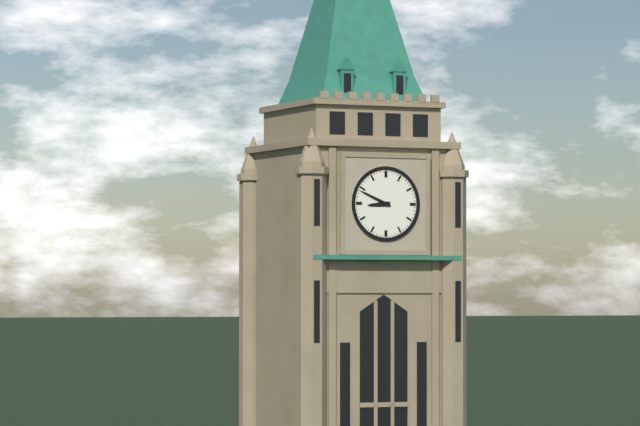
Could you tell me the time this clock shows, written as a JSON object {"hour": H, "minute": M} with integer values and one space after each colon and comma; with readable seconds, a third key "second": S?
{"hour": 8, "minute": 49}
